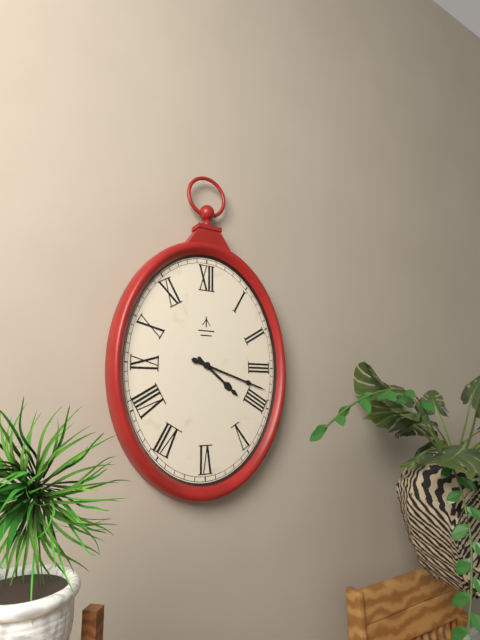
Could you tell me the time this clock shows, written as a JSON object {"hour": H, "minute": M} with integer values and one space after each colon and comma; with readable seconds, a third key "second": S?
{"hour": 4, "minute": 18}
